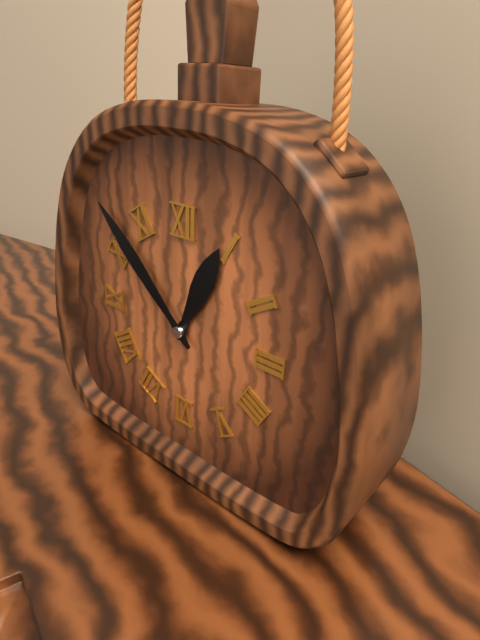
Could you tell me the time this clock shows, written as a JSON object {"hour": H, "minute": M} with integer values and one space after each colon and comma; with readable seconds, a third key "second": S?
{"hour": 12, "minute": 52}
